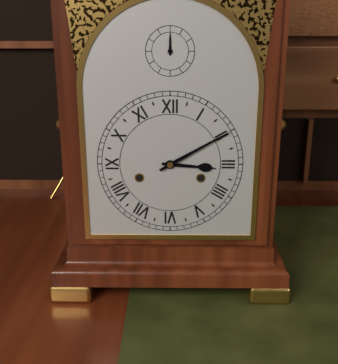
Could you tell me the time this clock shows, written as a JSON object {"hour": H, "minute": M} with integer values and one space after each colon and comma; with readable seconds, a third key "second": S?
{"hour": 3, "minute": 10}
